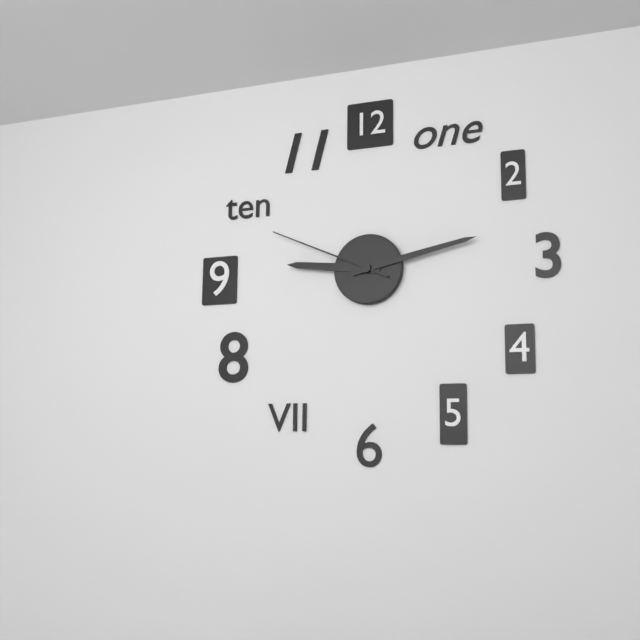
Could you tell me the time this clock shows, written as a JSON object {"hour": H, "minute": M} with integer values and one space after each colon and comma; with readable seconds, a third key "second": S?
{"hour": 9, "minute": 13, "second": 49}
